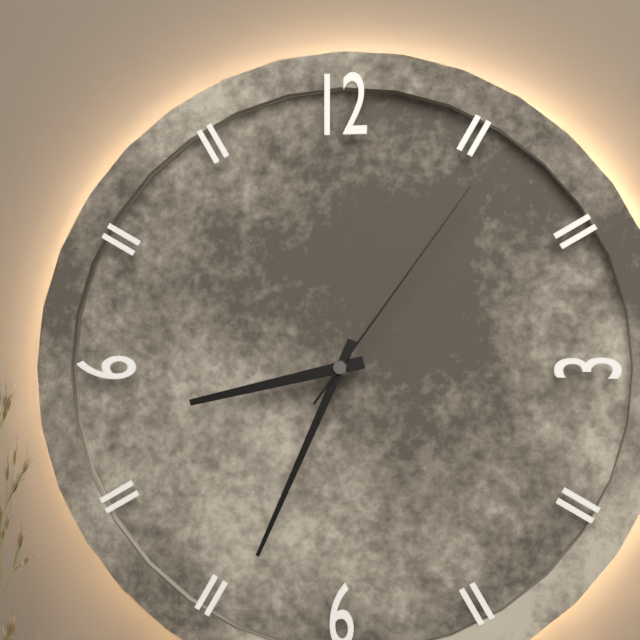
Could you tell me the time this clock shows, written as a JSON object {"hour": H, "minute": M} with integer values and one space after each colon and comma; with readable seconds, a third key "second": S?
{"hour": 8, "minute": 34, "second": 6}
